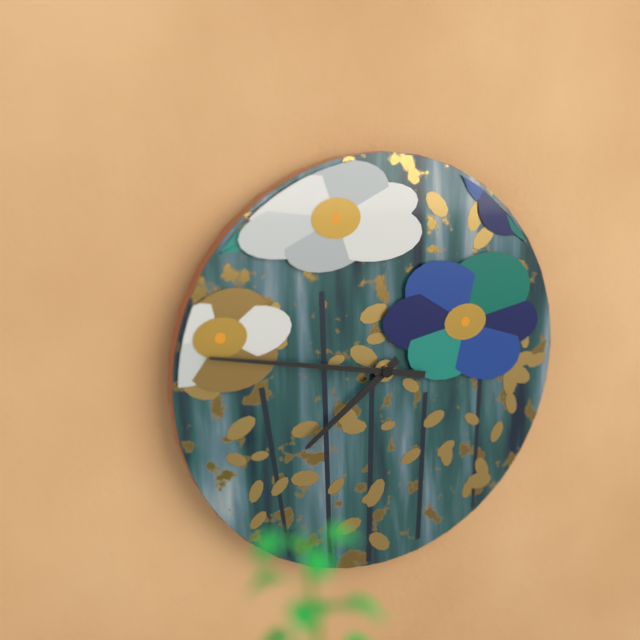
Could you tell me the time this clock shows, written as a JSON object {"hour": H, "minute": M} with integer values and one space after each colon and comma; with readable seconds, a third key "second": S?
{"hour": 7, "minute": 47}
